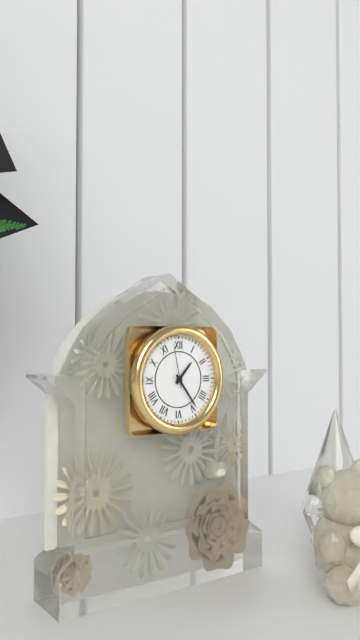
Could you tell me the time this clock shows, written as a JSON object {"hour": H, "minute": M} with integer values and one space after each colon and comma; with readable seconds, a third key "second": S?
{"hour": 1, "minute": 24}
